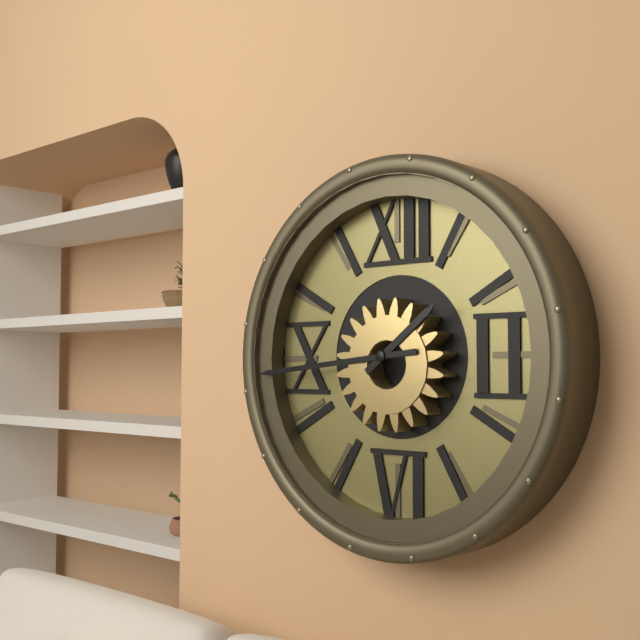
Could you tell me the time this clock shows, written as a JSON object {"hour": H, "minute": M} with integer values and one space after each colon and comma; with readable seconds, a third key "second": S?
{"hour": 1, "minute": 44}
